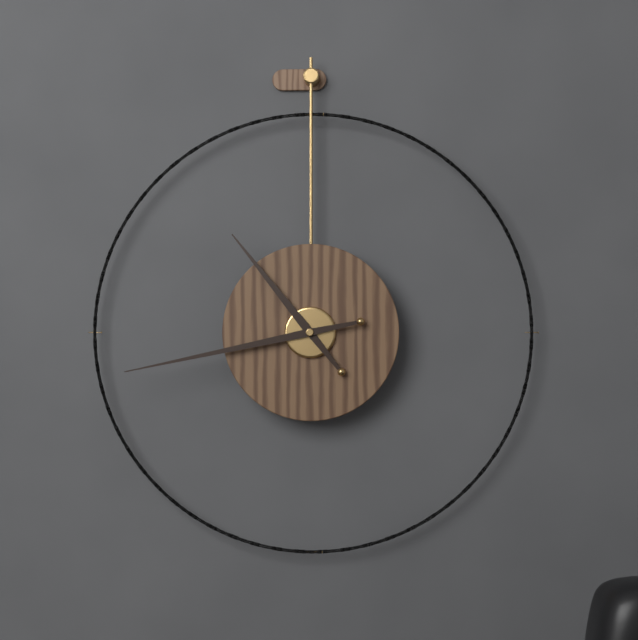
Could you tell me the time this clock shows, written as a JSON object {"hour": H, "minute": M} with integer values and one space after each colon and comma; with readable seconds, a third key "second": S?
{"hour": 10, "minute": 43}
